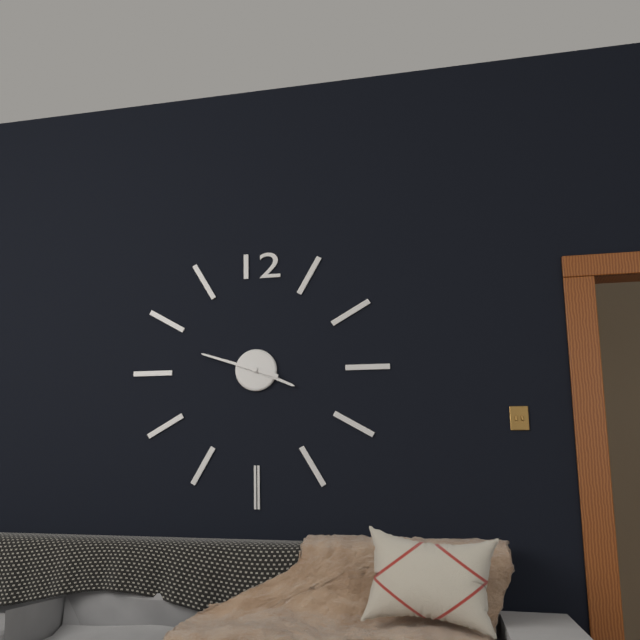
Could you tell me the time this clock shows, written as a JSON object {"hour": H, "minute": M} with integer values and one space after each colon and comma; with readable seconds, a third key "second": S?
{"hour": 3, "minute": 48}
